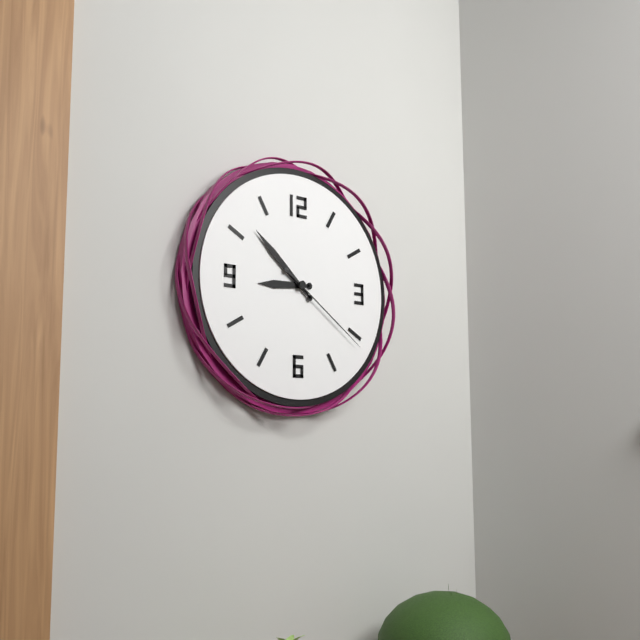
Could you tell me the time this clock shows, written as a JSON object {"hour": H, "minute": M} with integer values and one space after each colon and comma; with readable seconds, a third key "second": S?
{"hour": 8, "minute": 52, "second": 21}
